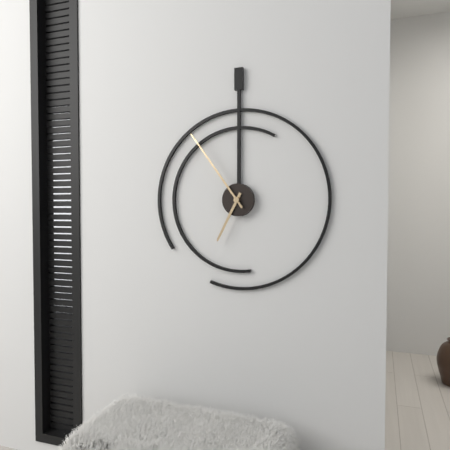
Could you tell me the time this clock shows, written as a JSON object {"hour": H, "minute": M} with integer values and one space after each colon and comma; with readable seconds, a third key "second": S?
{"hour": 6, "minute": 54}
